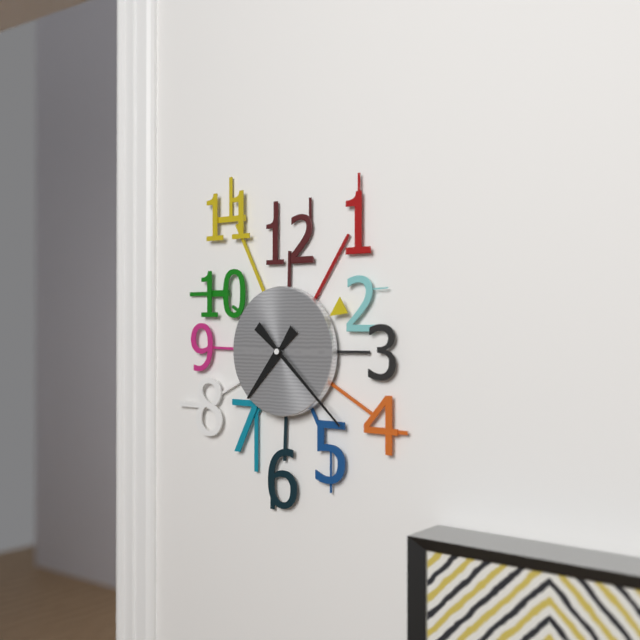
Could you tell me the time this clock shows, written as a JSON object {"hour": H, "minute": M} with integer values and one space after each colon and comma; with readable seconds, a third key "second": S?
{"hour": 7, "minute": 22}
